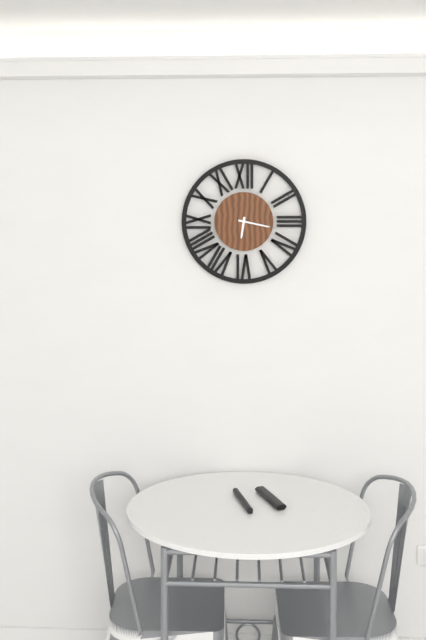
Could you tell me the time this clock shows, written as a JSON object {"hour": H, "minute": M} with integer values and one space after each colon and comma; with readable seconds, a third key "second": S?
{"hour": 6, "minute": 17}
